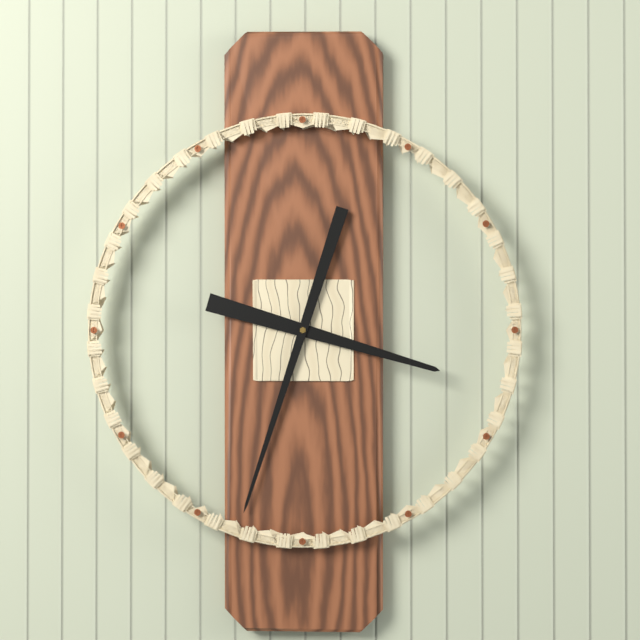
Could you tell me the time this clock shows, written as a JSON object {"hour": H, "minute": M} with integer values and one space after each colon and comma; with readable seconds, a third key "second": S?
{"hour": 3, "minute": 33}
